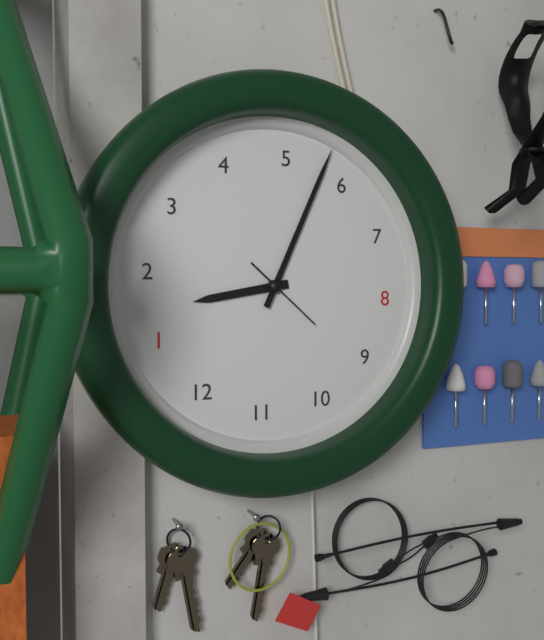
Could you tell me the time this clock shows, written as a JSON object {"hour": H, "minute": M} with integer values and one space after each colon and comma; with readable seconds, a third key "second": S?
{"hour": 1, "minute": 28, "second": 46}
